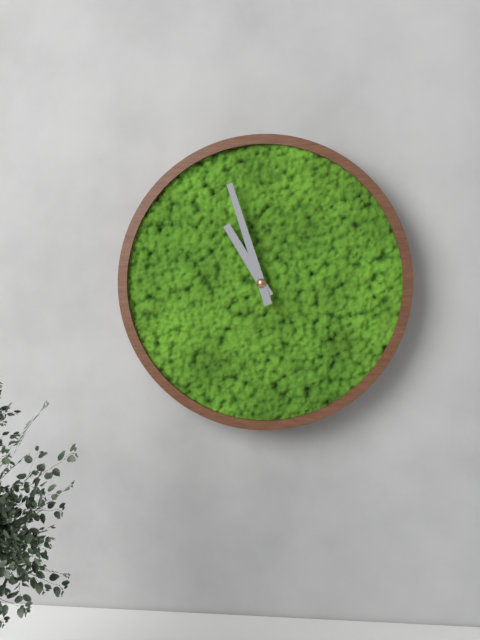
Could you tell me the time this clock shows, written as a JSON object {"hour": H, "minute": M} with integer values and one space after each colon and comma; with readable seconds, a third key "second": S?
{"hour": 10, "minute": 57}
